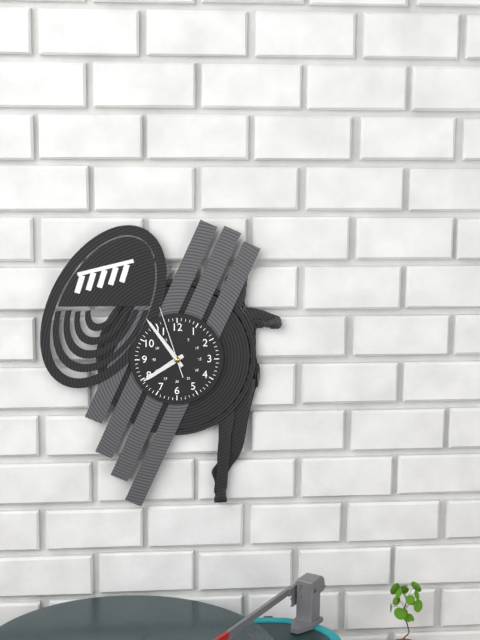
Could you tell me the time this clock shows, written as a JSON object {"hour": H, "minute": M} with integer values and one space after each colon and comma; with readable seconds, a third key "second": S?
{"hour": 7, "minute": 54, "second": 57}
